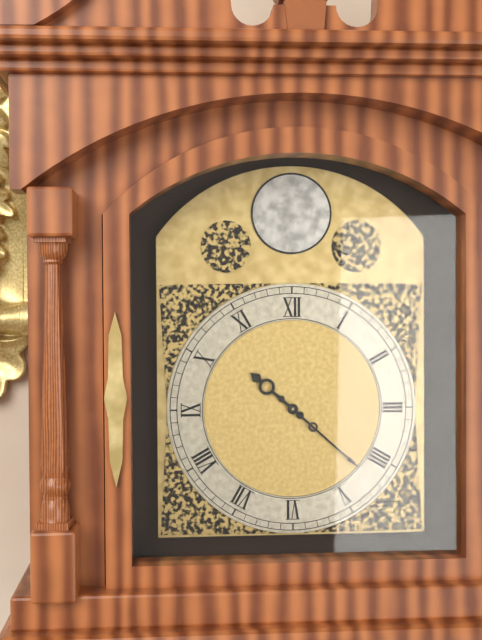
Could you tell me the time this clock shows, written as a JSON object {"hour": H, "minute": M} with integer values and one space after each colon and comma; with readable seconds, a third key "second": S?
{"hour": 10, "minute": 22}
